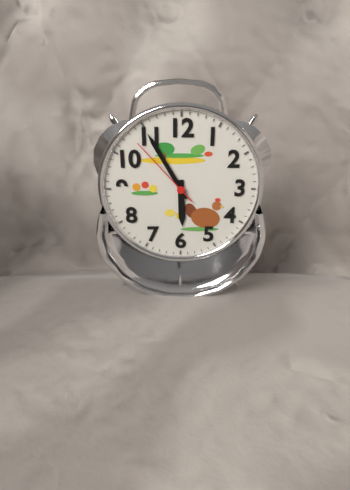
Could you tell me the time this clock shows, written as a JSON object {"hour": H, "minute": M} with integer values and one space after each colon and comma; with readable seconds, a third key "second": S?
{"hour": 5, "minute": 55, "second": 53}
